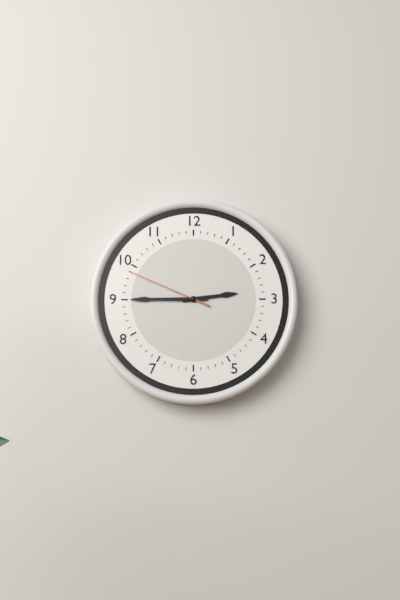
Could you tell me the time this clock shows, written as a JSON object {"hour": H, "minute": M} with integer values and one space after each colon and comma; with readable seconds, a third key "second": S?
{"hour": 2, "minute": 45, "second": 49}
